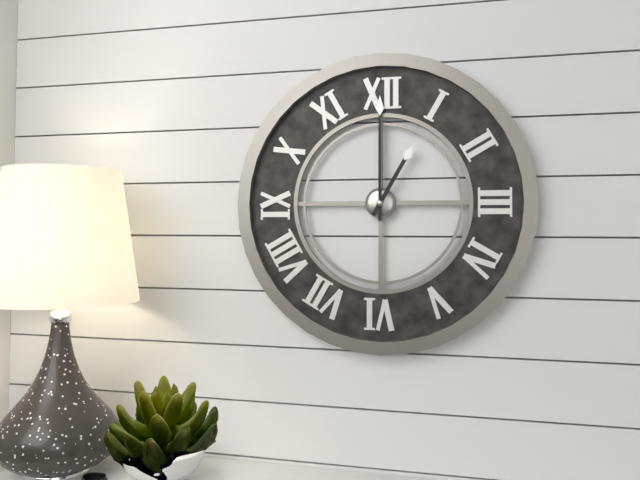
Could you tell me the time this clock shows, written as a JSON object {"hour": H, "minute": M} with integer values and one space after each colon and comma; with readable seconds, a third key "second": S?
{"hour": 1, "minute": 0}
